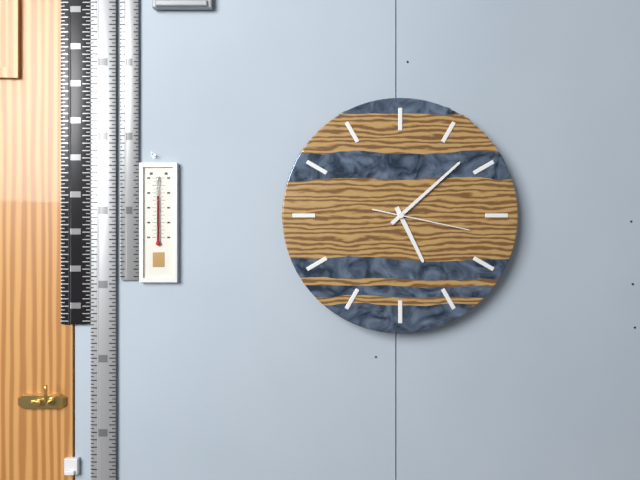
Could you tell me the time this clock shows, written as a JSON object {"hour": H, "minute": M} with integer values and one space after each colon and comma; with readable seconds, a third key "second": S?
{"hour": 5, "minute": 8, "second": 17}
